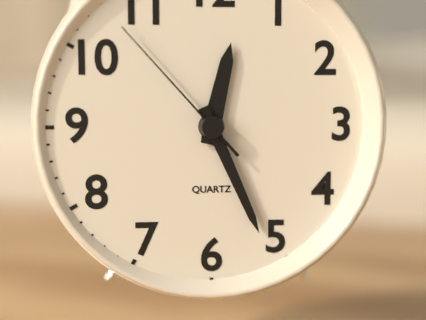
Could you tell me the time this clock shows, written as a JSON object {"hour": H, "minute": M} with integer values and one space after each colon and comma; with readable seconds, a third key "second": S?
{"hour": 12, "minute": 26, "second": 53}
